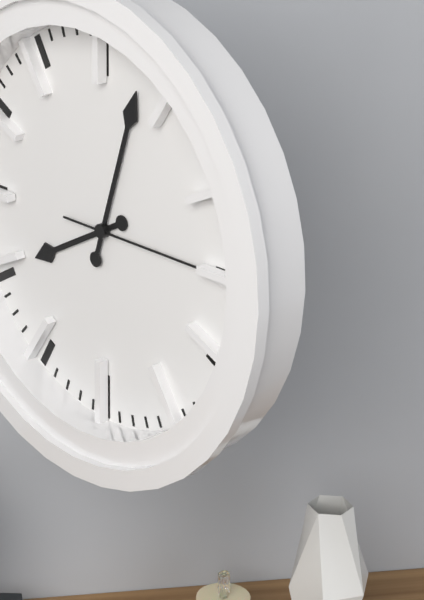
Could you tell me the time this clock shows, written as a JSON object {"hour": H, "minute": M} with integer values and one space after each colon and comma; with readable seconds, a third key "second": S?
{"hour": 8, "minute": 3, "second": 15}
